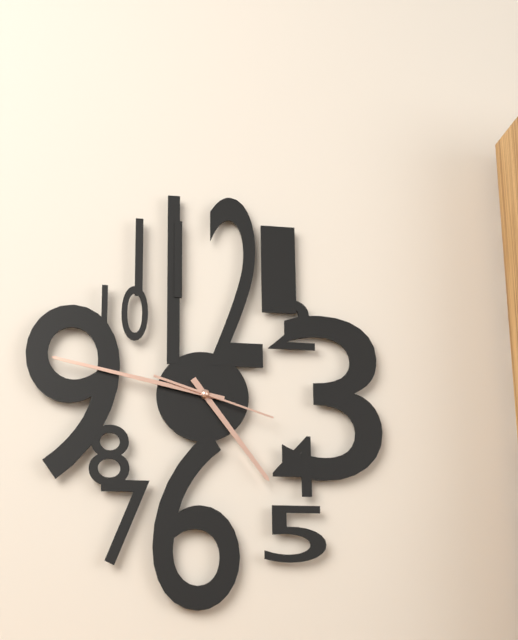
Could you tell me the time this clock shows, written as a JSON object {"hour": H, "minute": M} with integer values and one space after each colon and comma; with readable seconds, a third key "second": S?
{"hour": 4, "minute": 47, "second": 18}
